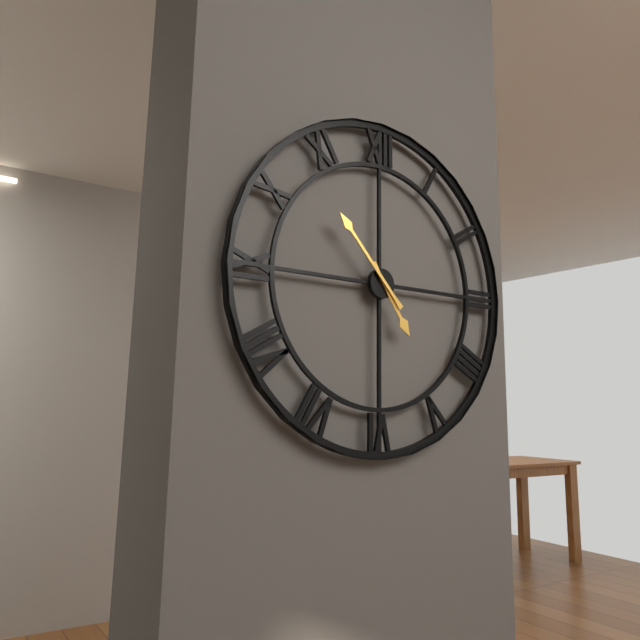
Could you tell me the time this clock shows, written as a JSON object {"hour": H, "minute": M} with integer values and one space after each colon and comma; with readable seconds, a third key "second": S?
{"hour": 4, "minute": 53}
